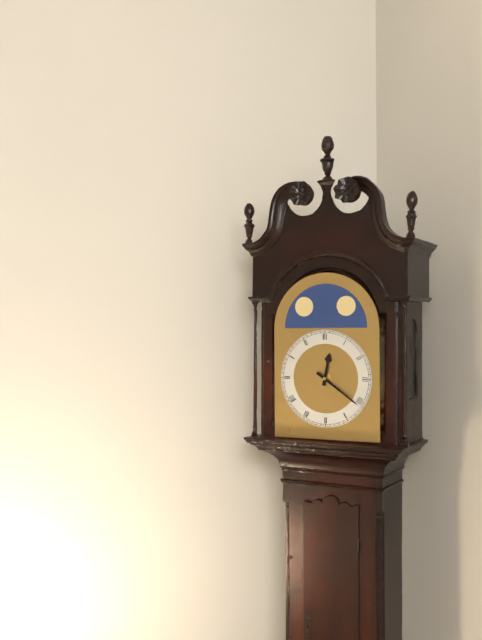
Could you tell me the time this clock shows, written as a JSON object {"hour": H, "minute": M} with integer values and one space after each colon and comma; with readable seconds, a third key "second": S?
{"hour": 12, "minute": 21}
